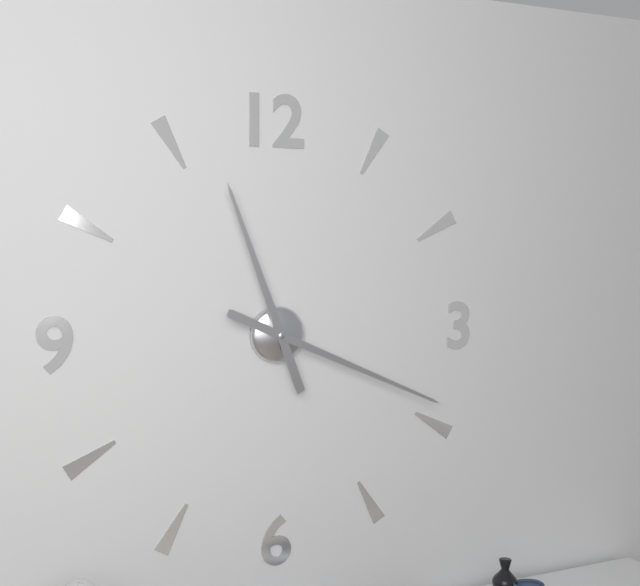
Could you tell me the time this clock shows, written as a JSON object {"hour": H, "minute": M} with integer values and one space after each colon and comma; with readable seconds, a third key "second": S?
{"hour": 11, "minute": 19}
